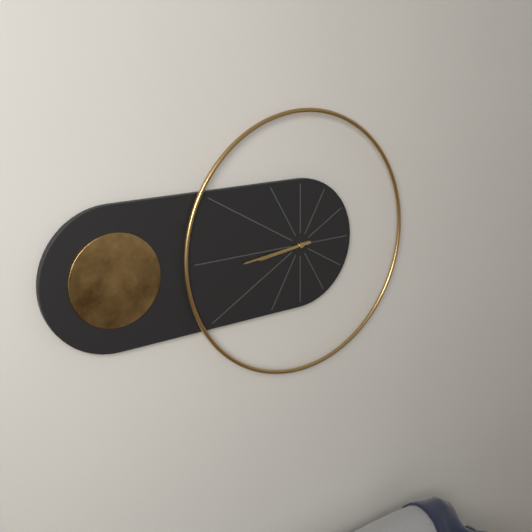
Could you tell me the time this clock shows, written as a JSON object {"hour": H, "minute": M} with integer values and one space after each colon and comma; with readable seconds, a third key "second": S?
{"hour": 8, "minute": 44}
